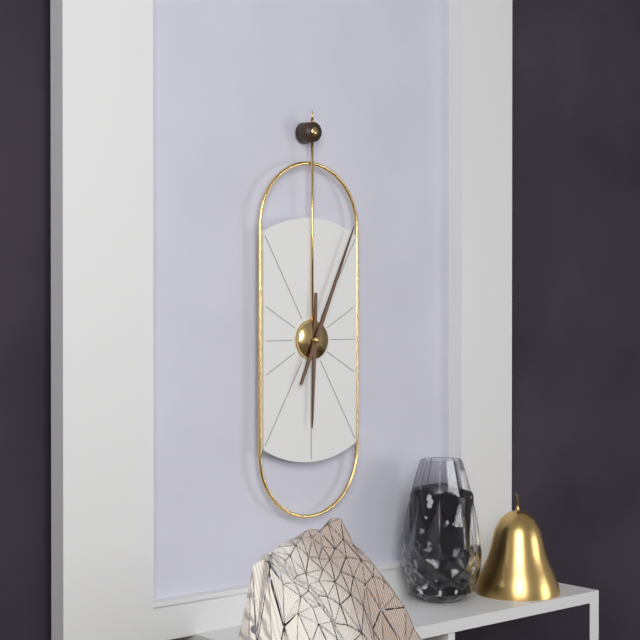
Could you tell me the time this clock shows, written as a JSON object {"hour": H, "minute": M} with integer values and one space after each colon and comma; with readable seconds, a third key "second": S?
{"hour": 6, "minute": 4}
